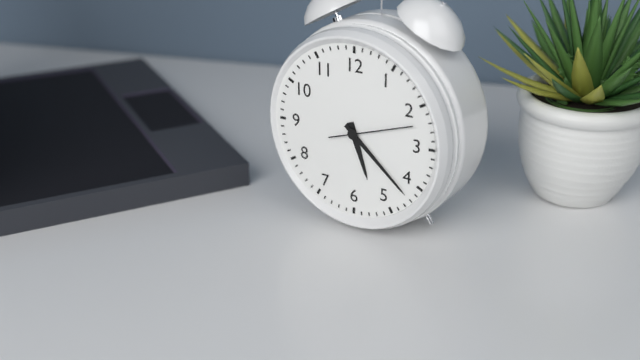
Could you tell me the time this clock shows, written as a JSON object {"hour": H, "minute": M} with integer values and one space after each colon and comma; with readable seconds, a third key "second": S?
{"hour": 5, "minute": 22, "second": 12}
